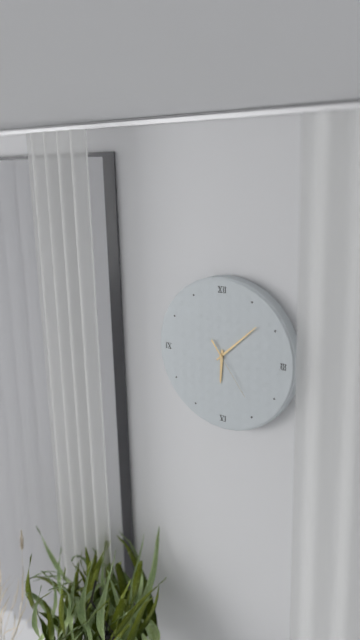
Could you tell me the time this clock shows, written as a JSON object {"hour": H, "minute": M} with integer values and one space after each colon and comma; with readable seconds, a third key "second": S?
{"hour": 6, "minute": 8, "second": 24}
